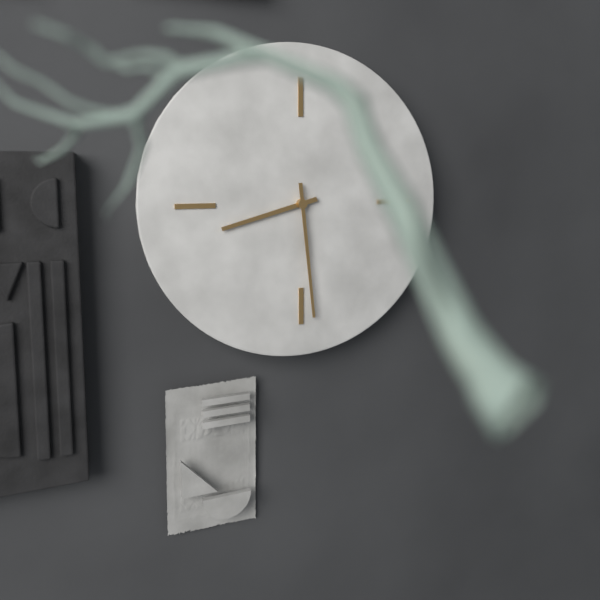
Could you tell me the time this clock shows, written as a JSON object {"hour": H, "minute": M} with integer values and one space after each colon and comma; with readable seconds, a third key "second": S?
{"hour": 8, "minute": 29}
